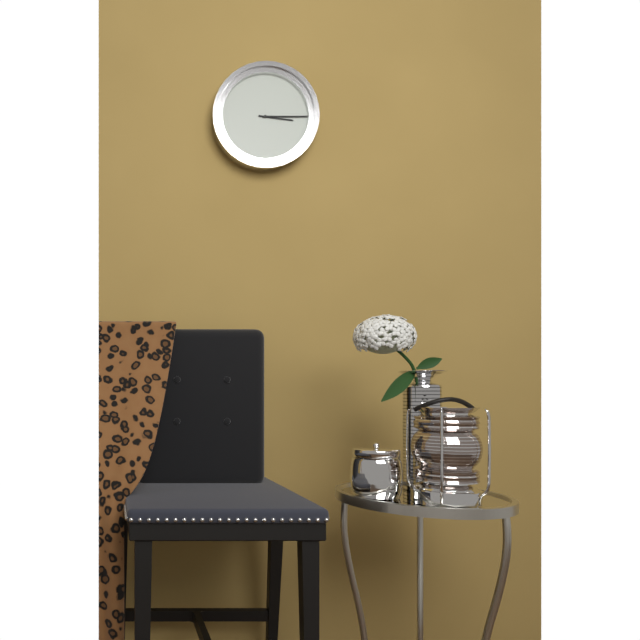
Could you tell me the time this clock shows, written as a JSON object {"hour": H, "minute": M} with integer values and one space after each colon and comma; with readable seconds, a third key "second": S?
{"hour": 3, "minute": 15}
